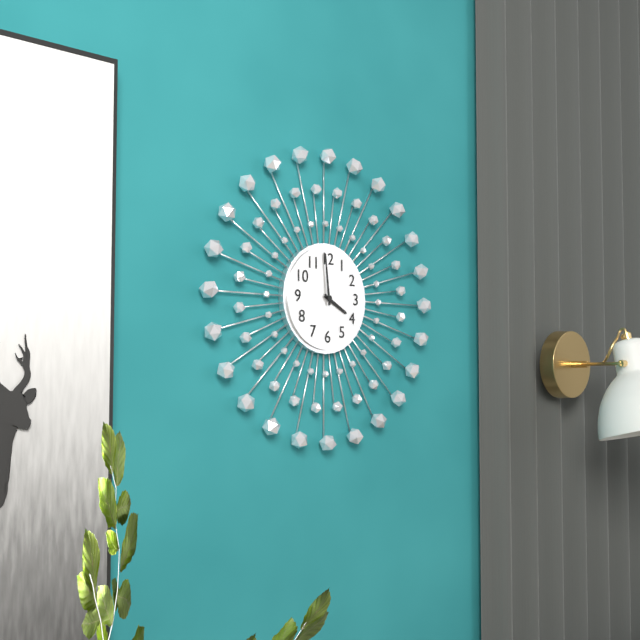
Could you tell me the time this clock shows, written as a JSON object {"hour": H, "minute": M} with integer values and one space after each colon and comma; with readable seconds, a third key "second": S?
{"hour": 3, "minute": 59}
